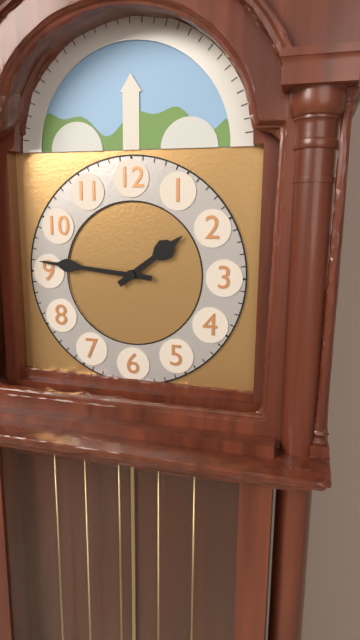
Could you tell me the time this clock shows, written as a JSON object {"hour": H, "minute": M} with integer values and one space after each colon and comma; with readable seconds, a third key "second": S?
{"hour": 1, "minute": 46}
